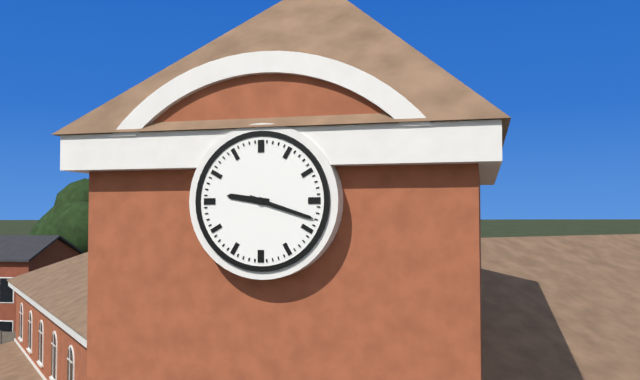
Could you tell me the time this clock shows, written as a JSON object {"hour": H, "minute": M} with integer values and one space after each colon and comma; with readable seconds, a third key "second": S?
{"hour": 9, "minute": 18}
